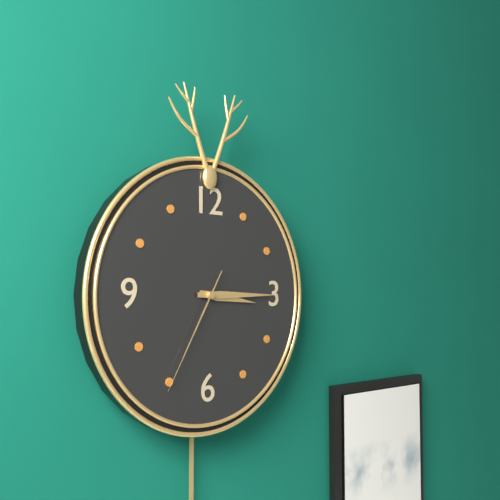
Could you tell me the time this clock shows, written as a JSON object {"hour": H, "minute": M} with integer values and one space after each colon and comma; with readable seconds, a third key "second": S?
{"hour": 3, "minute": 15, "second": 35}
